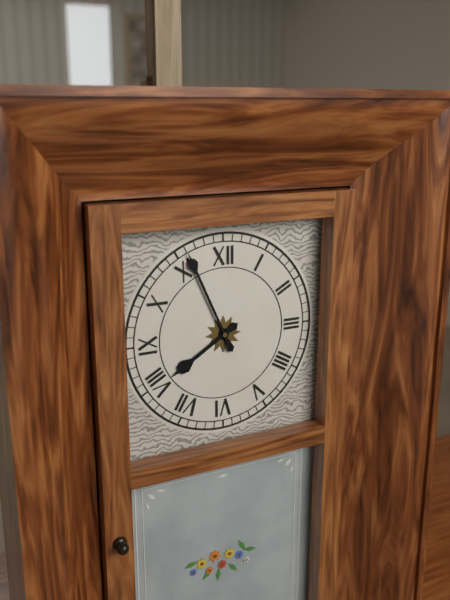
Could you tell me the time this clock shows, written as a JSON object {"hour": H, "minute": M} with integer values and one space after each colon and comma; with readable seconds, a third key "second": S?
{"hour": 7, "minute": 56}
